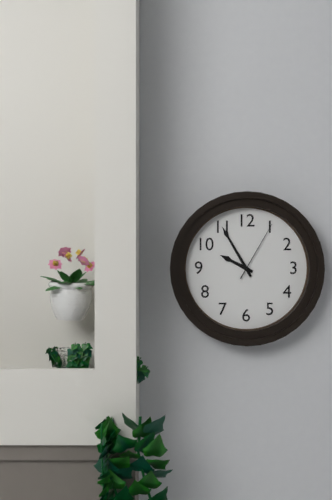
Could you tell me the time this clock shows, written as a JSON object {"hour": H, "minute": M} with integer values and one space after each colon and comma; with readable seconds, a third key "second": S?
{"hour": 9, "minute": 55, "second": 5}
